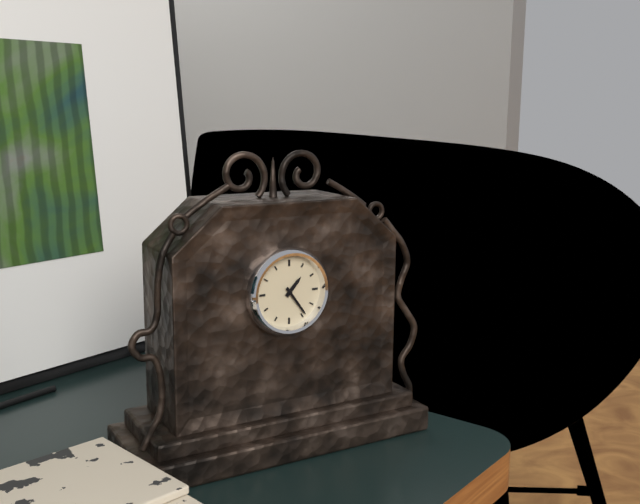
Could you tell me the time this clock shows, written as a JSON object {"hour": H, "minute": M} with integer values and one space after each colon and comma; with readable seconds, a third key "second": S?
{"hour": 1, "minute": 24}
